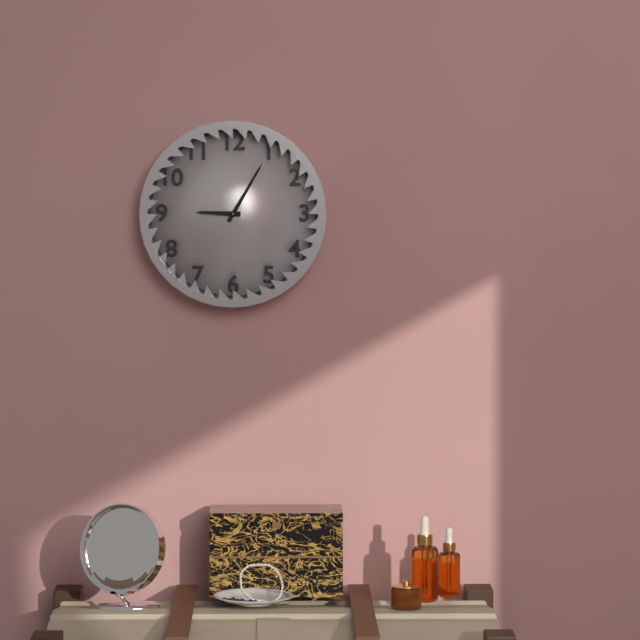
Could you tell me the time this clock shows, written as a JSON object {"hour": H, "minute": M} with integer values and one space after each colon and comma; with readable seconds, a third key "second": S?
{"hour": 9, "minute": 5}
